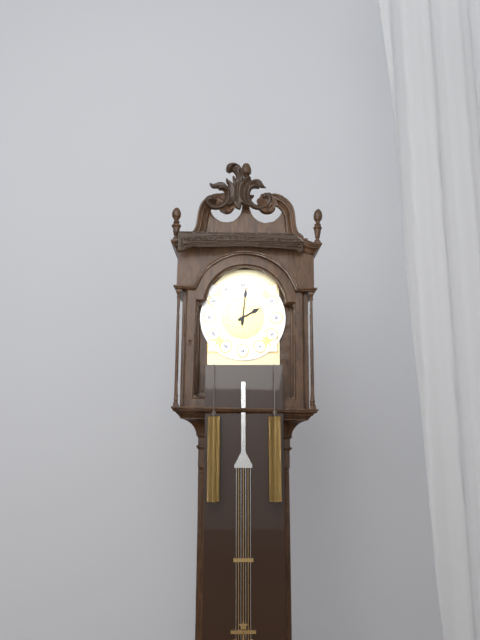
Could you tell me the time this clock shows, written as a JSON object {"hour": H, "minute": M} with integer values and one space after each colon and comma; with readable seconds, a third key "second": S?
{"hour": 2, "minute": 1}
